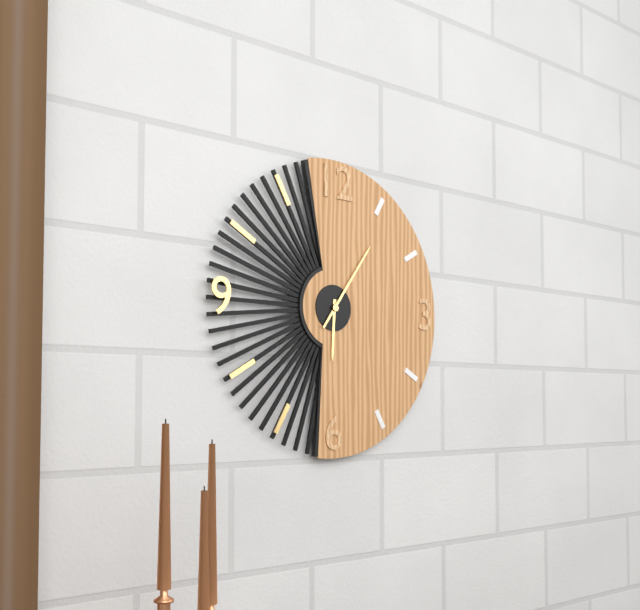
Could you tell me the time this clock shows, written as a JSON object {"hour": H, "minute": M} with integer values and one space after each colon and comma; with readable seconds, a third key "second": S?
{"hour": 6, "minute": 6}
